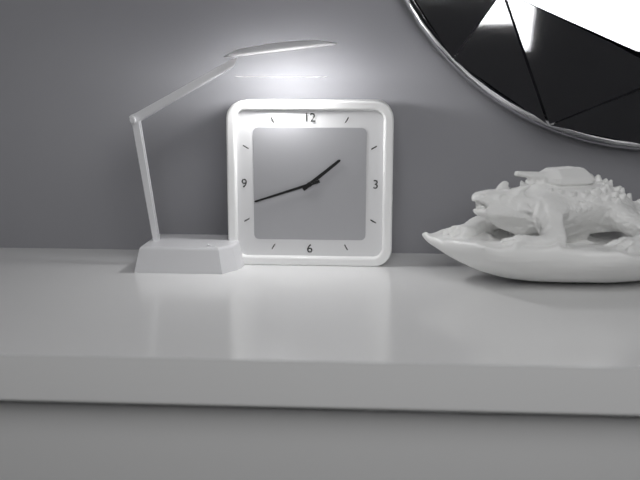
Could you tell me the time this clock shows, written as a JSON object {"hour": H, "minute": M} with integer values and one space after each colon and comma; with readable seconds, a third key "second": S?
{"hour": 1, "minute": 42}
